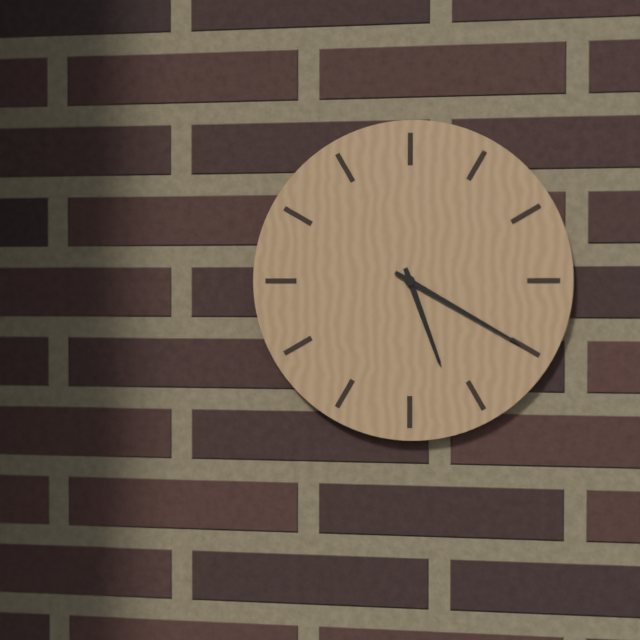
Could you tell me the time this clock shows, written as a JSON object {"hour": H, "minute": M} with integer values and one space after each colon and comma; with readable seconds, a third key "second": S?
{"hour": 5, "minute": 20}
